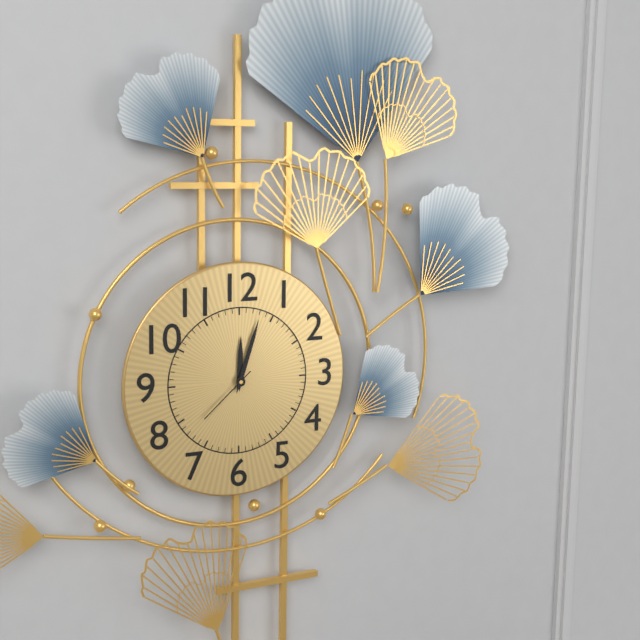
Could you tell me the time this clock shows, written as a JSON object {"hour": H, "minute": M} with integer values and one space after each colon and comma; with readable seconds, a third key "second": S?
{"hour": 12, "minute": 3, "second": 38}
